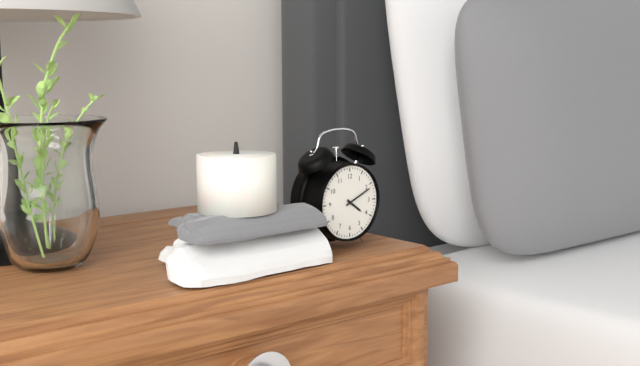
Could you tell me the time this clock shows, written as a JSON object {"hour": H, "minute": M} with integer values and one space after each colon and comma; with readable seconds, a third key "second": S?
{"hour": 4, "minute": 11}
